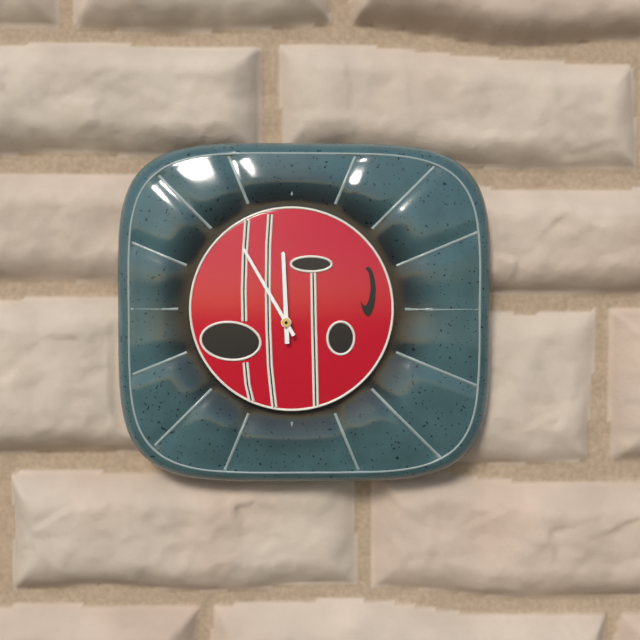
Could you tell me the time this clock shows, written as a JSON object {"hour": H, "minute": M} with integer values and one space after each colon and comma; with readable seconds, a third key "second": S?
{"hour": 11, "minute": 55}
